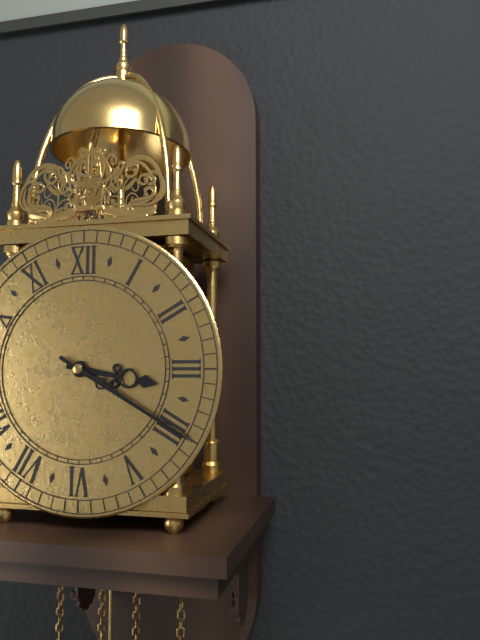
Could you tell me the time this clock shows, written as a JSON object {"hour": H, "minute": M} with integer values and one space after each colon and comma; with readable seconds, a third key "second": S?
{"hour": 3, "minute": 20}
